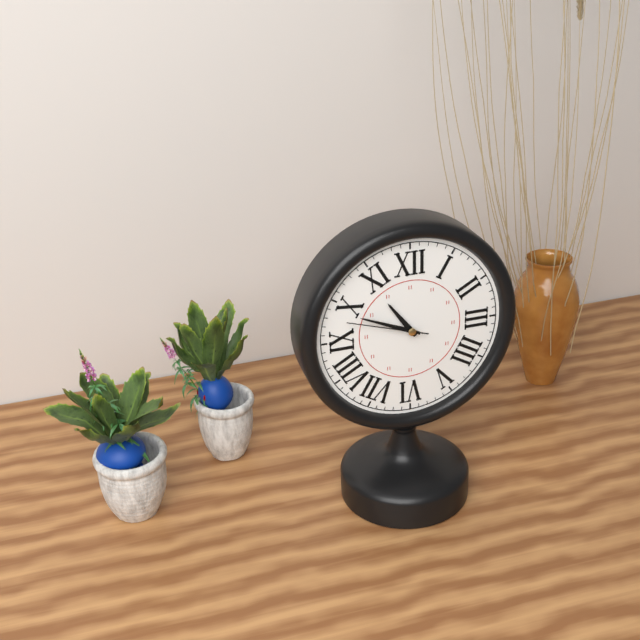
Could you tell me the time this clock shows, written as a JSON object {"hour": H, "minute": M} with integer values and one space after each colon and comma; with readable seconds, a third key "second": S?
{"hour": 10, "minute": 49, "second": 48}
